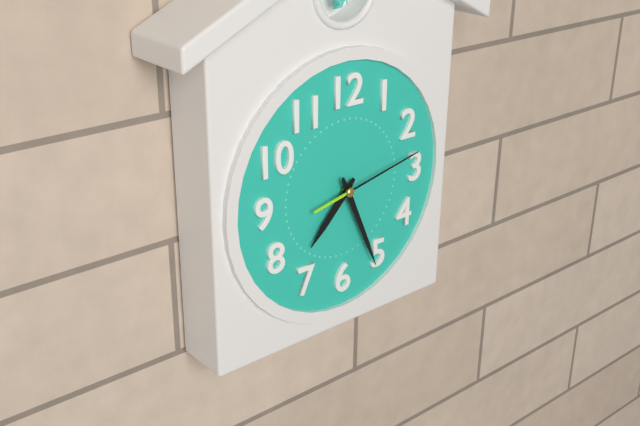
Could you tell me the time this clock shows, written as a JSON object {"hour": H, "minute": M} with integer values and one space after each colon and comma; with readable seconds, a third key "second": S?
{"hour": 7, "minute": 26, "second": 13}
